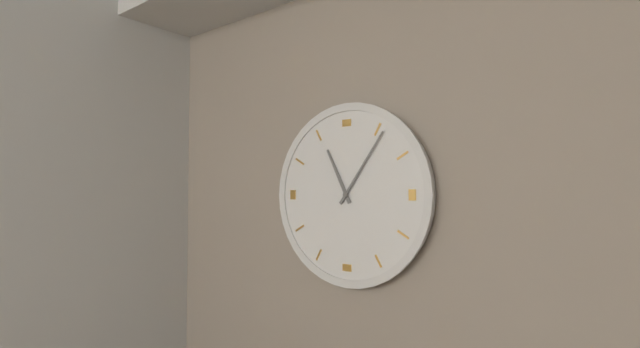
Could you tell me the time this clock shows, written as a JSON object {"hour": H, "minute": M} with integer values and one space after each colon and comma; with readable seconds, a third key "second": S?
{"hour": 11, "minute": 6}
